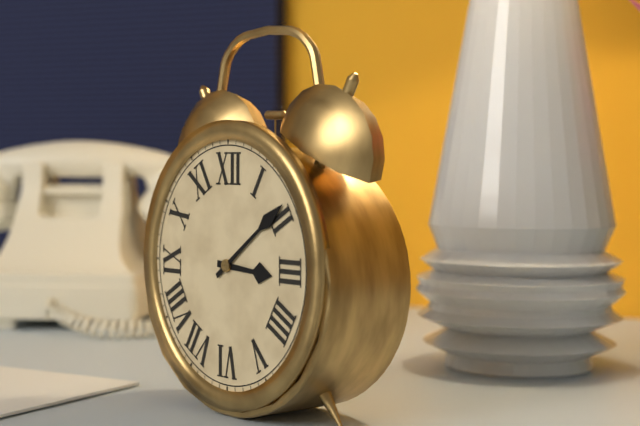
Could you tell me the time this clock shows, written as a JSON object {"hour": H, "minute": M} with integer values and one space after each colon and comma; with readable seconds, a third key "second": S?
{"hour": 3, "minute": 9}
